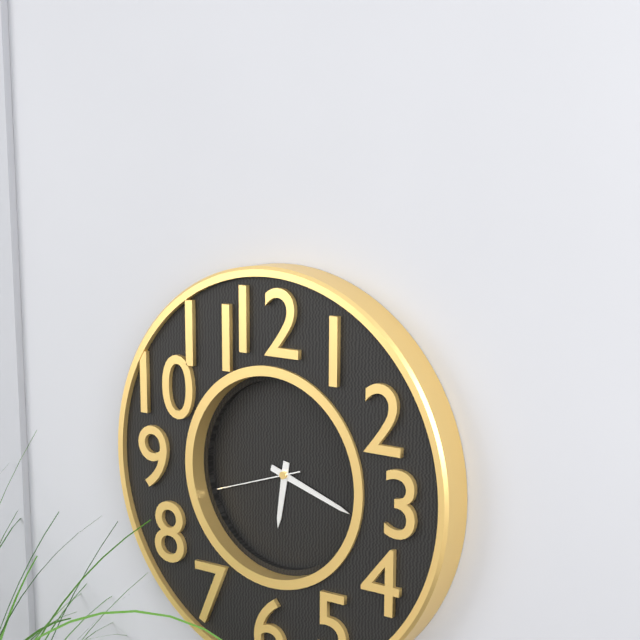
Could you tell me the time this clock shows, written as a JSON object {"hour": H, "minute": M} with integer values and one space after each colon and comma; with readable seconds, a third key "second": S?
{"hour": 6, "minute": 18, "second": 42}
